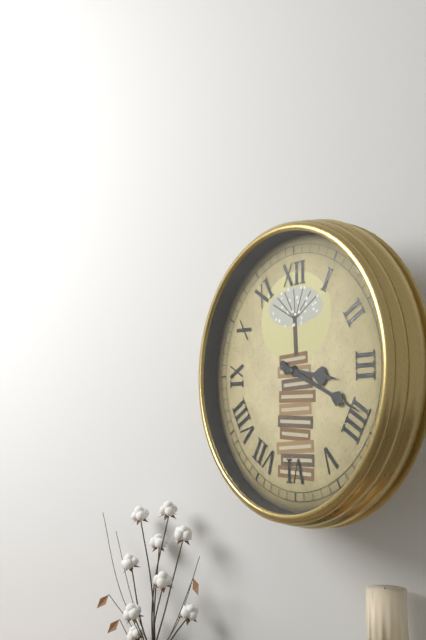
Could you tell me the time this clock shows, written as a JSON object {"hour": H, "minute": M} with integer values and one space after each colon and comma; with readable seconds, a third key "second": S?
{"hour": 3, "minute": 19}
